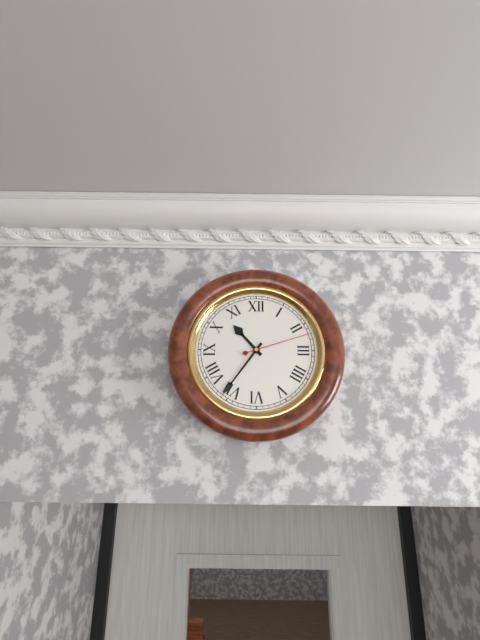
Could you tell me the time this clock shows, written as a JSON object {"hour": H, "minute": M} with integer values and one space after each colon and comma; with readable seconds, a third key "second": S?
{"hour": 10, "minute": 36, "second": 12}
